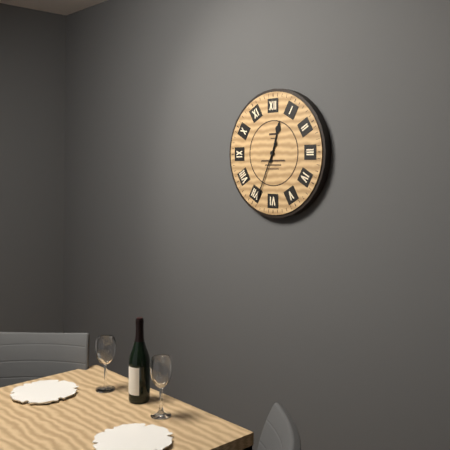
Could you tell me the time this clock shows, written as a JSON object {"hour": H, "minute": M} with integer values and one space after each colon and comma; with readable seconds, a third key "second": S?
{"hour": 12, "minute": 34}
